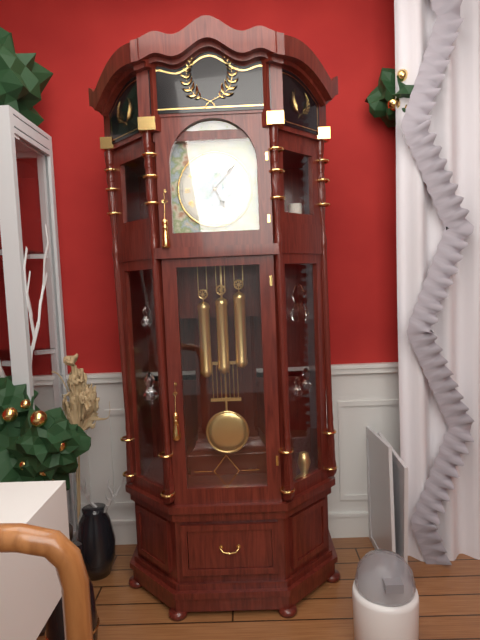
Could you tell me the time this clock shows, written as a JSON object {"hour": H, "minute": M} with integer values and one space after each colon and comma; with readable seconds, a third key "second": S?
{"hour": 5, "minute": 7}
